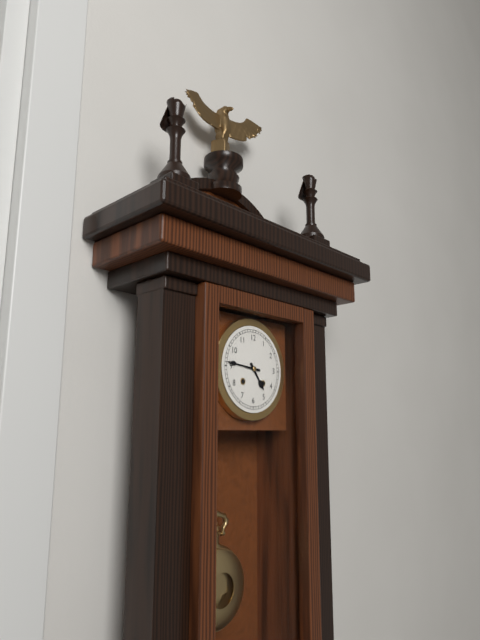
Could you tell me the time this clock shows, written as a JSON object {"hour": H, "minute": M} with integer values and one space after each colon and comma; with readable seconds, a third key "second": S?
{"hour": 4, "minute": 46}
